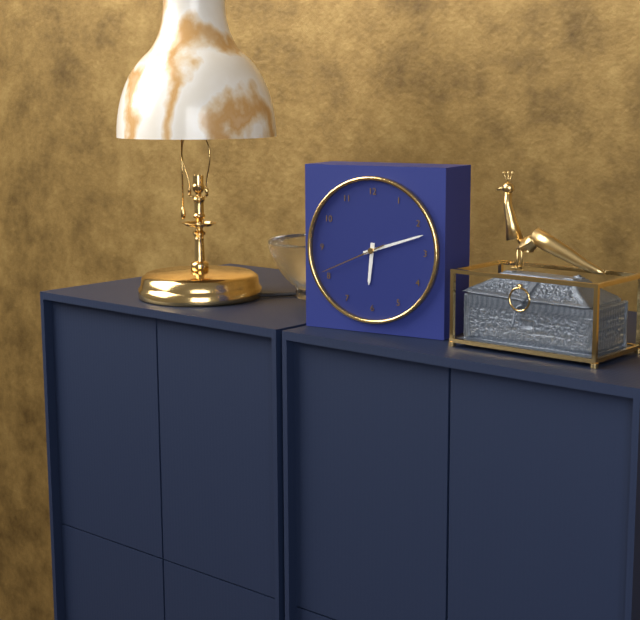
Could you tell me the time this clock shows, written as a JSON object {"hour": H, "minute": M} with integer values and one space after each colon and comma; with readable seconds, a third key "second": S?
{"hour": 6, "minute": 12, "second": 41}
